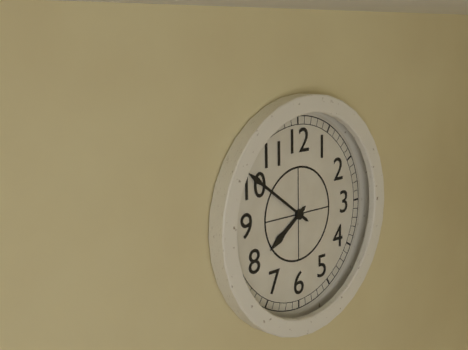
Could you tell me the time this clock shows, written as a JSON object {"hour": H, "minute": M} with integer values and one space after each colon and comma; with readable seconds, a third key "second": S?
{"hour": 7, "minute": 51}
